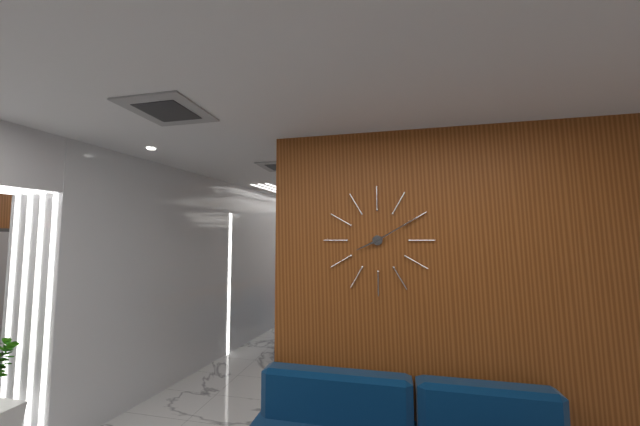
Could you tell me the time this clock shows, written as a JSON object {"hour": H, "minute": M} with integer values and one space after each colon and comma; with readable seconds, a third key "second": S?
{"hour": 8, "minute": 10}
